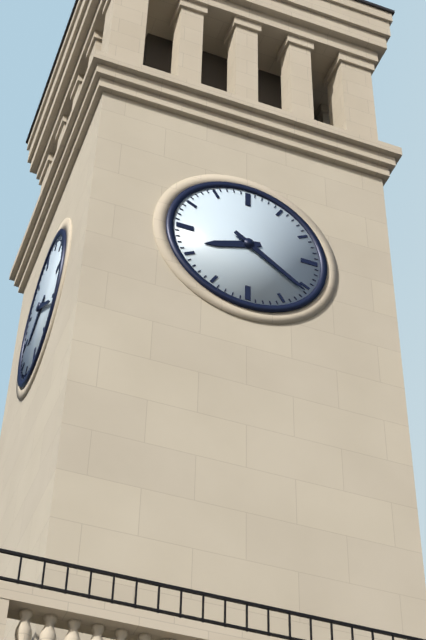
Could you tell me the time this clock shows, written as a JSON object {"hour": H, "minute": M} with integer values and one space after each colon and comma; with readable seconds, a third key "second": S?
{"hour": 8, "minute": 21}
